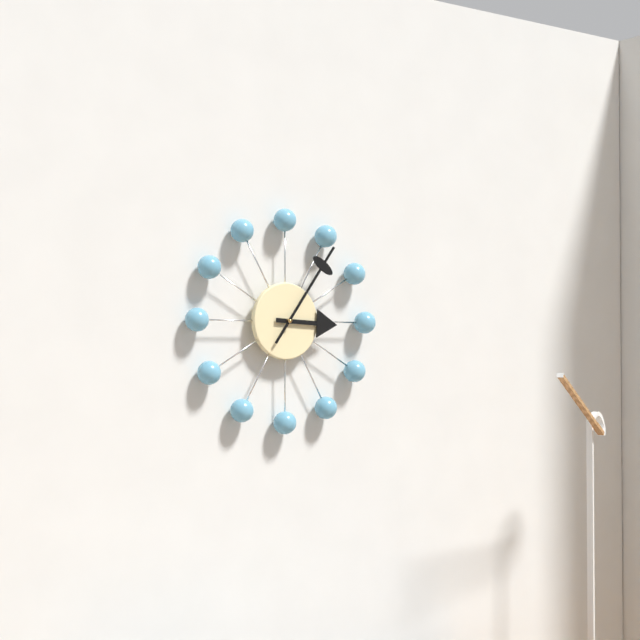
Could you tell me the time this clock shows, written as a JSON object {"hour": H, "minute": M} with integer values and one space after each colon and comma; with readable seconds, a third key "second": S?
{"hour": 3, "minute": 6}
